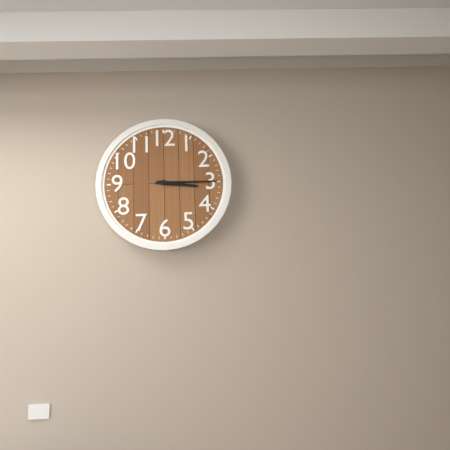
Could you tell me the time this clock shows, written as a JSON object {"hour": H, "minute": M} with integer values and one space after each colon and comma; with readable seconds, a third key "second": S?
{"hour": 3, "minute": 15}
